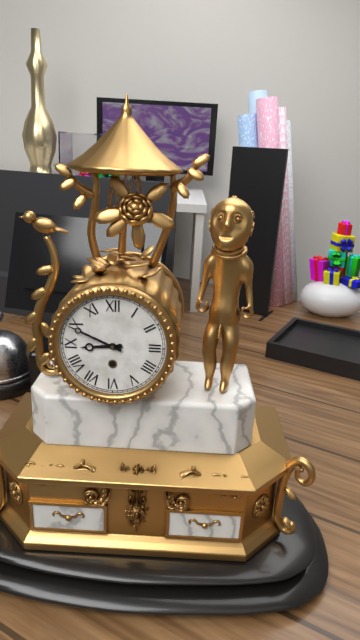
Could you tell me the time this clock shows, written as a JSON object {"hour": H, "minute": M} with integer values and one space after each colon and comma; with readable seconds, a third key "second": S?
{"hour": 8, "minute": 49}
